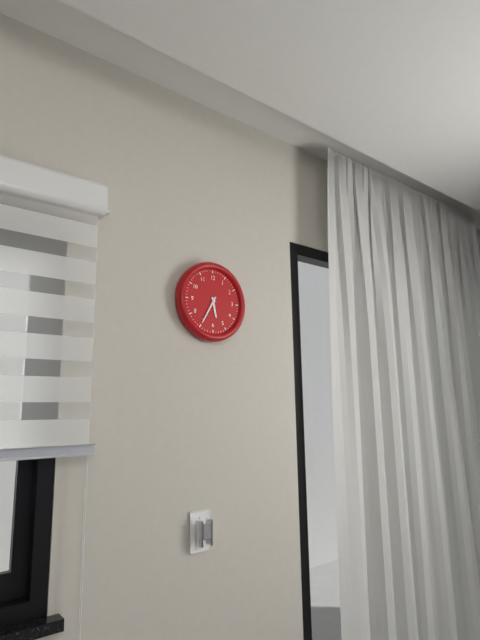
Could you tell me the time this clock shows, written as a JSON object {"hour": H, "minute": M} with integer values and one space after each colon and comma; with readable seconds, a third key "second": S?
{"hour": 5, "minute": 35}
